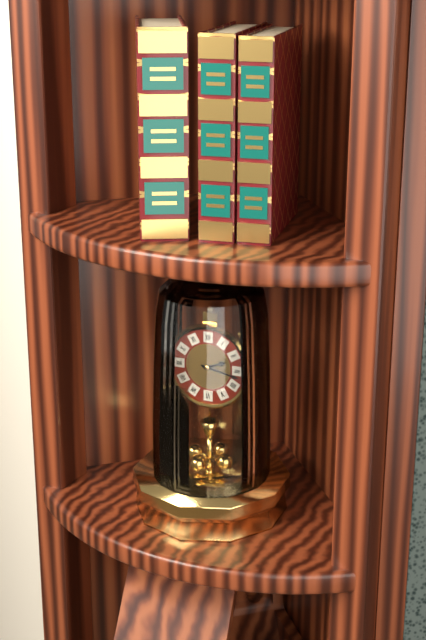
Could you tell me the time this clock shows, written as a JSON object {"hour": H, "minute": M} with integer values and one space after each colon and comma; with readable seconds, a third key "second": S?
{"hour": 2, "minute": 17}
